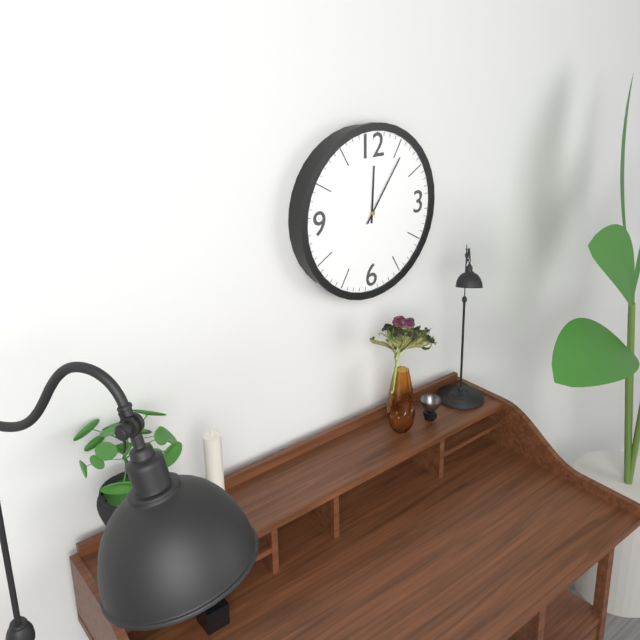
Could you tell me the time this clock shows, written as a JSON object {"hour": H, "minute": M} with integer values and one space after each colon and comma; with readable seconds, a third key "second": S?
{"hour": 12, "minute": 6}
